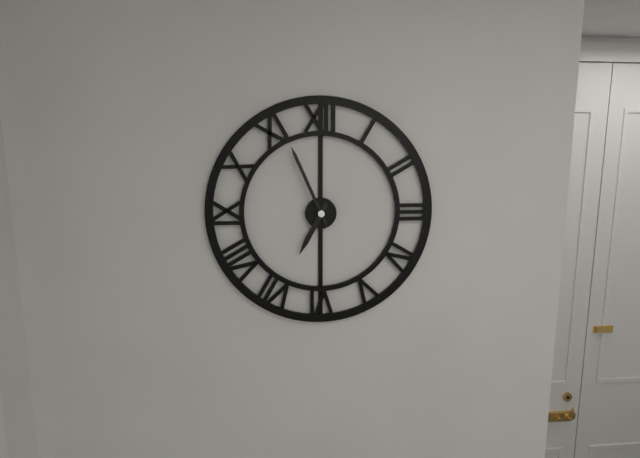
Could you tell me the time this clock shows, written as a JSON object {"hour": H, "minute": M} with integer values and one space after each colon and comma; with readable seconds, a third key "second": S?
{"hour": 6, "minute": 56}
